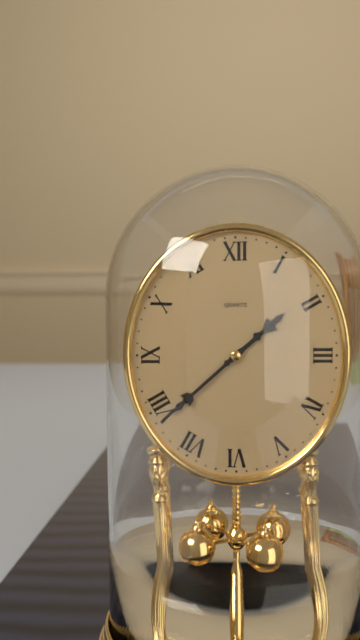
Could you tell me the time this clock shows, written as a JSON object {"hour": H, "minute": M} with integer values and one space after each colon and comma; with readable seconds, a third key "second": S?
{"hour": 1, "minute": 38}
